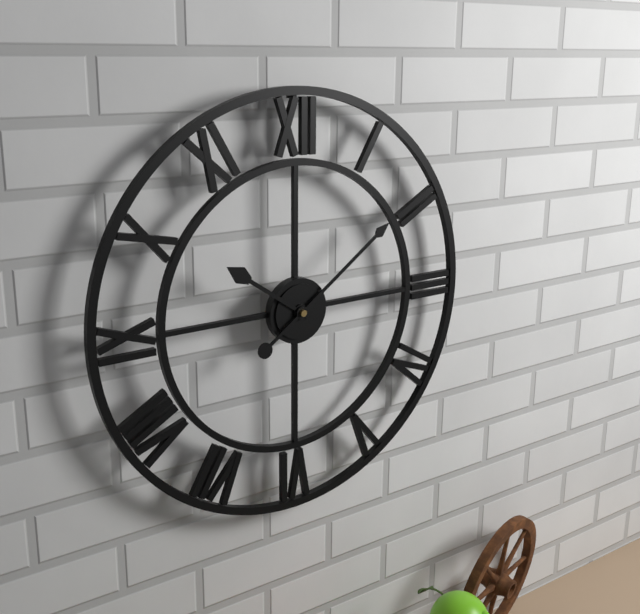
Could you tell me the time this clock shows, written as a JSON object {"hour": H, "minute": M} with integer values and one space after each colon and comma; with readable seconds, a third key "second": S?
{"hour": 10, "minute": 9}
